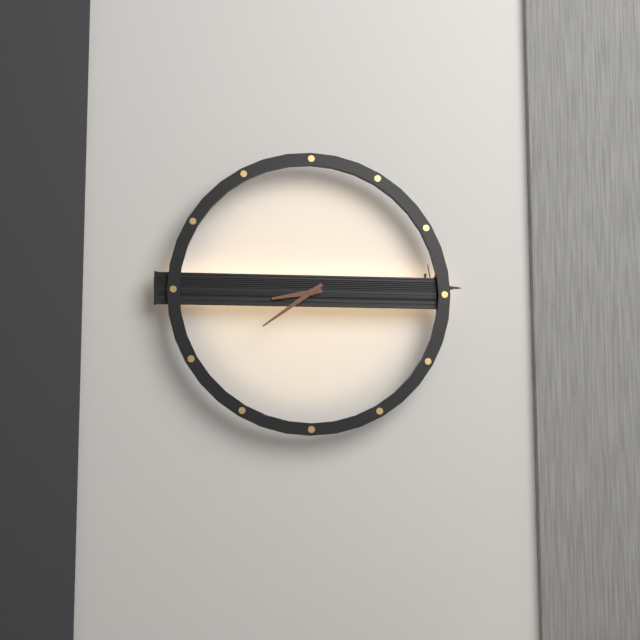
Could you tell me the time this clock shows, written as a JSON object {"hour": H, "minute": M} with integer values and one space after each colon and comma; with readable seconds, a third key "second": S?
{"hour": 8, "minute": 39}
